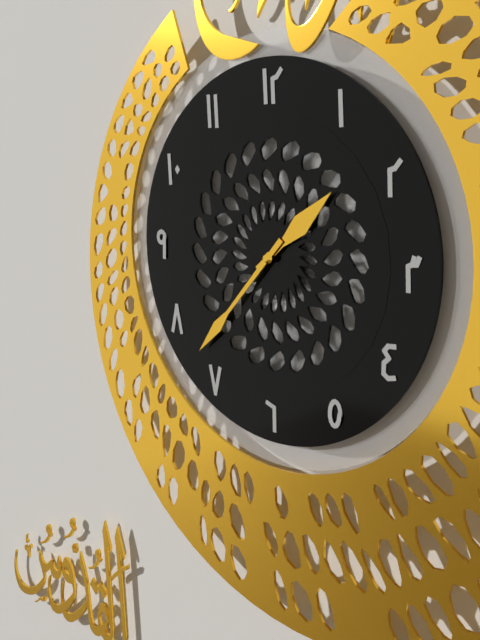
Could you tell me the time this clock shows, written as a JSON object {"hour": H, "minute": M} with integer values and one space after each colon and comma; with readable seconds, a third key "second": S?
{"hour": 1, "minute": 37}
